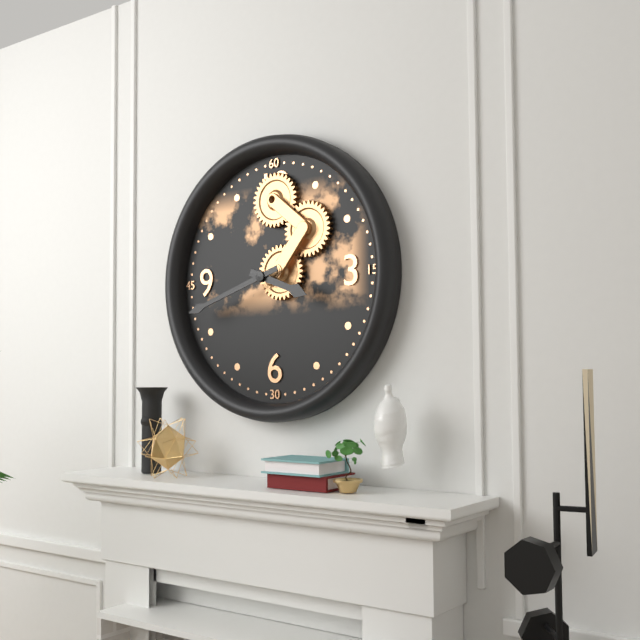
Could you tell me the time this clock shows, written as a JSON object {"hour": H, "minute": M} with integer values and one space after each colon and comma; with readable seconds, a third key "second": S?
{"hour": 3, "minute": 42}
